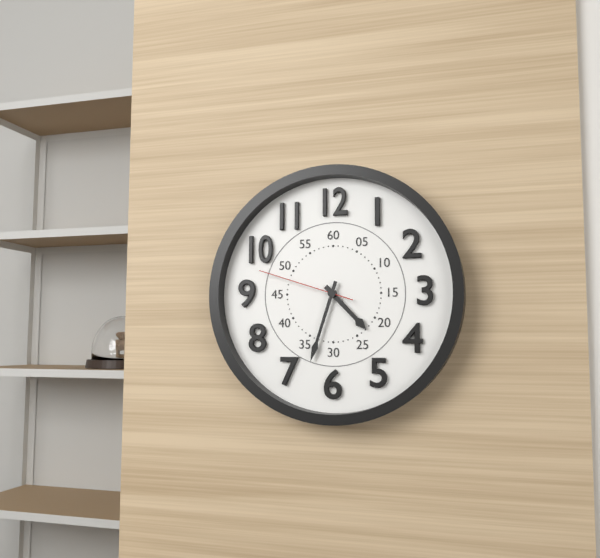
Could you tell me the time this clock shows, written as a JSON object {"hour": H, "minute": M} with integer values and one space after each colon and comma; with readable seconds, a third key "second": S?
{"hour": 4, "minute": 33, "second": 48}
